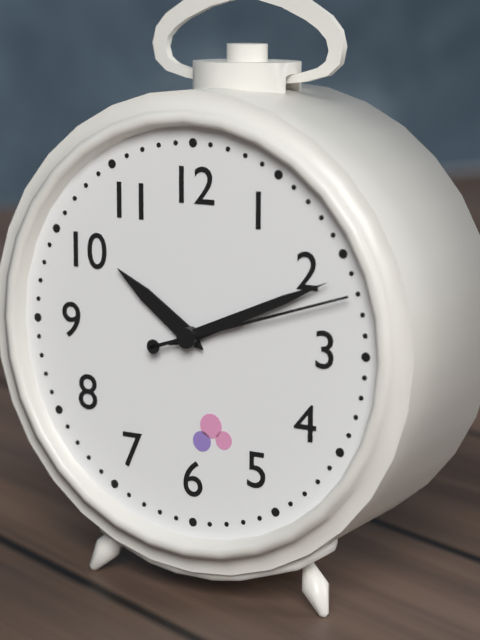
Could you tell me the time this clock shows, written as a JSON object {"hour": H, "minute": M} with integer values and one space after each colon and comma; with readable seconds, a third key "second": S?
{"hour": 10, "minute": 11, "second": 12}
